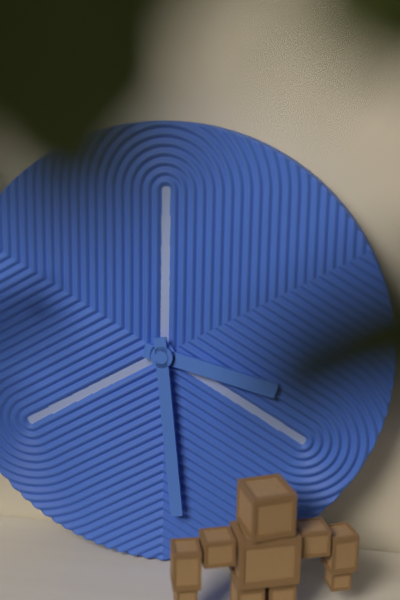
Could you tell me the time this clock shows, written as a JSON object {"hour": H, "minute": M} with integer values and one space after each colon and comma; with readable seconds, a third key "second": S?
{"hour": 3, "minute": 29}
